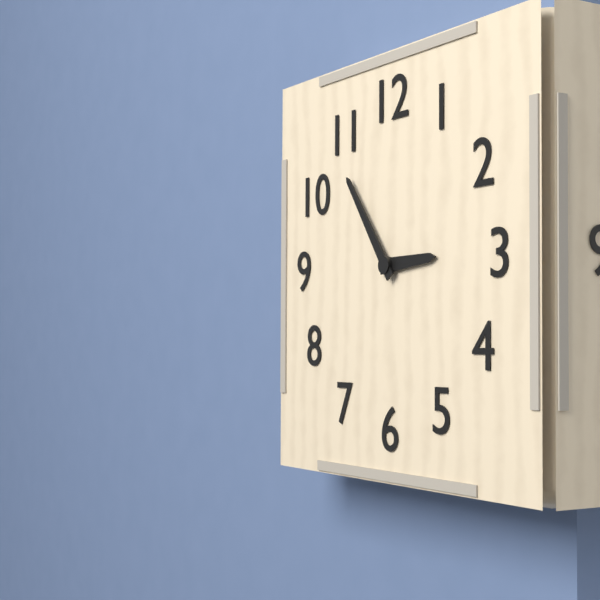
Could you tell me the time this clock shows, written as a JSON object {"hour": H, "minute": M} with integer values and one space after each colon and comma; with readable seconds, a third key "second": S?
{"hour": 2, "minute": 54}
